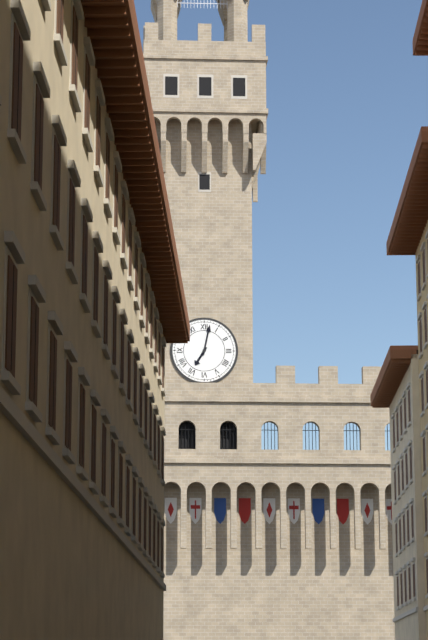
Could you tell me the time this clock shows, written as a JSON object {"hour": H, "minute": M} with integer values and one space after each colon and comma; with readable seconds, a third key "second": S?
{"hour": 7, "minute": 2}
